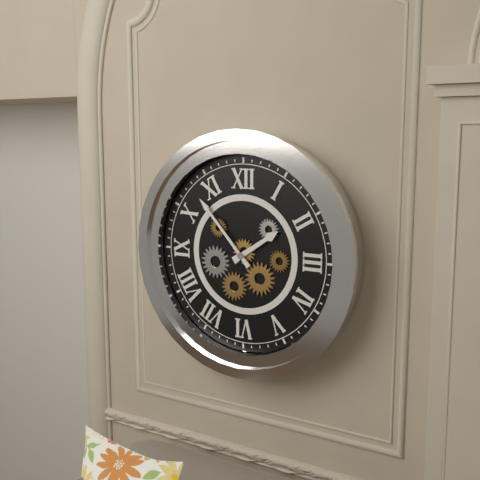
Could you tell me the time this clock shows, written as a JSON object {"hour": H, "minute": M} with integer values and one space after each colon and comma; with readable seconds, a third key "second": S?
{"hour": 1, "minute": 53}
